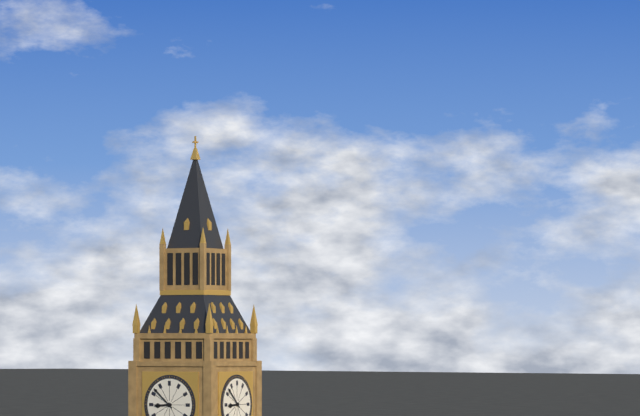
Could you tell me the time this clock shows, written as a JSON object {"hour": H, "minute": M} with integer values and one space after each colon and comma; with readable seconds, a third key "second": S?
{"hour": 8, "minute": 52}
